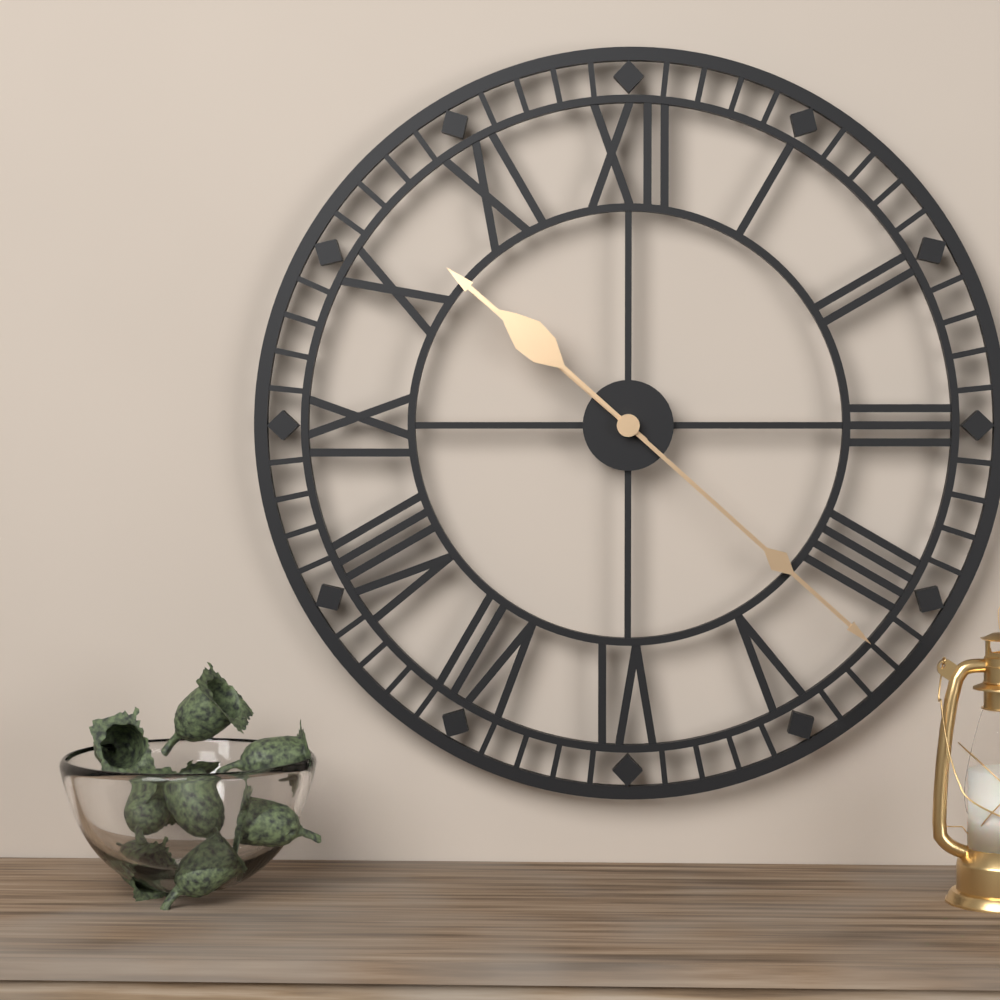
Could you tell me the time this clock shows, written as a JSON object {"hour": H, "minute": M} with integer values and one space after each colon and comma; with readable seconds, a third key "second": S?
{"hour": 10, "minute": 22}
